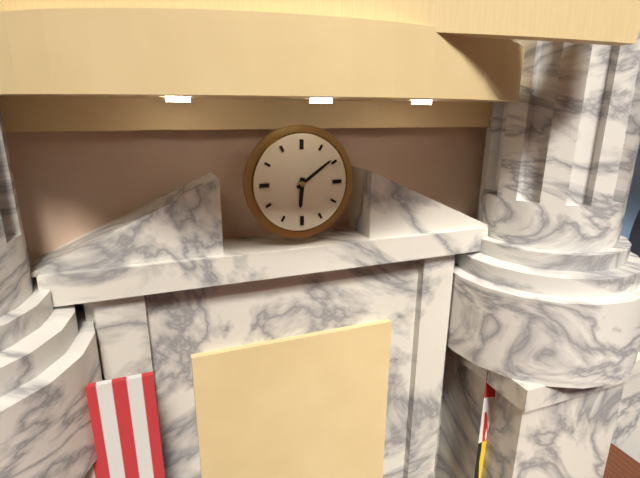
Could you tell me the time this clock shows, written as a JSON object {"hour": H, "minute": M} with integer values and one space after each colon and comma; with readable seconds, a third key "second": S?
{"hour": 6, "minute": 9}
